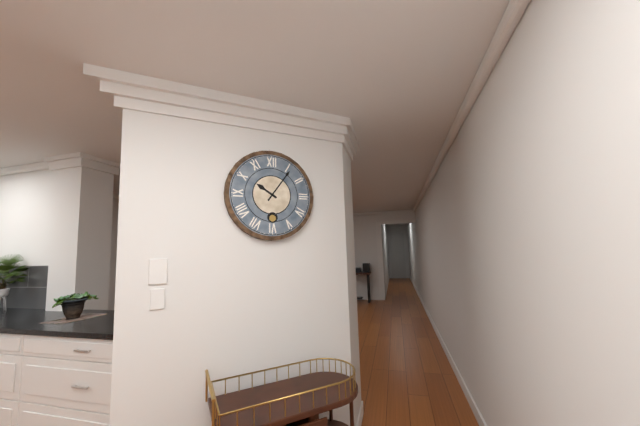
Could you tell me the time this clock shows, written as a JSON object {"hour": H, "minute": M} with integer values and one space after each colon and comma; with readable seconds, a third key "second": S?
{"hour": 10, "minute": 6}
